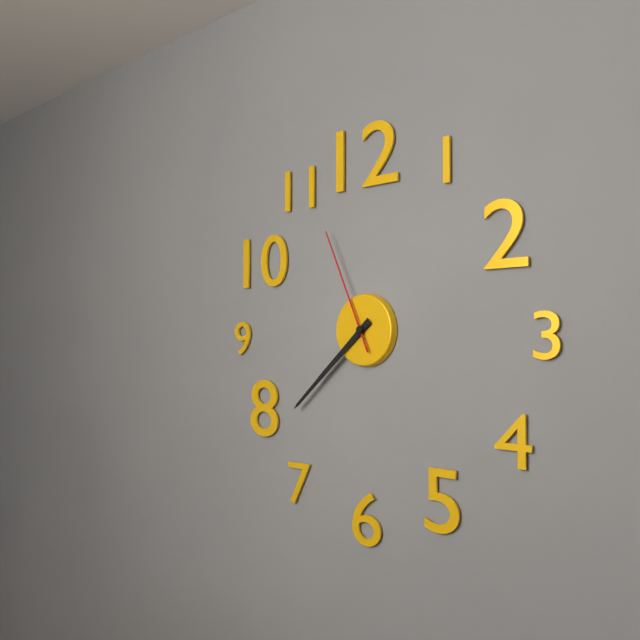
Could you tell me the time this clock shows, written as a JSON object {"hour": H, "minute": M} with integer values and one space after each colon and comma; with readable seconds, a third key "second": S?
{"hour": 7, "minute": 38, "second": 56}
